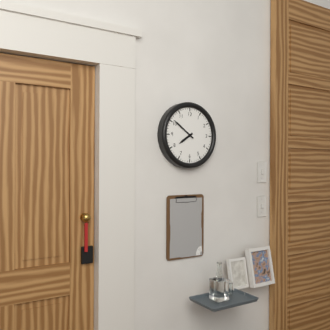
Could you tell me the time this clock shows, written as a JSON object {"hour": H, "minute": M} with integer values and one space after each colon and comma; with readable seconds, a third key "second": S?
{"hour": 7, "minute": 51}
